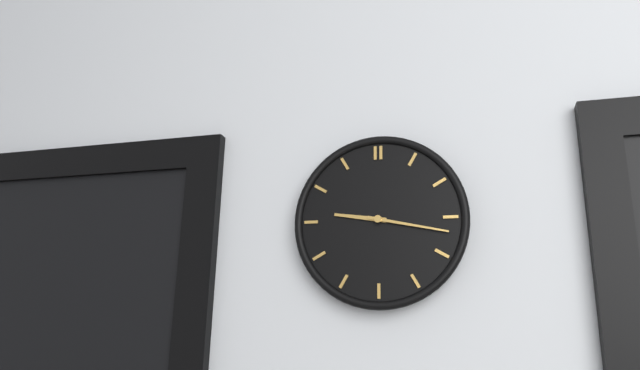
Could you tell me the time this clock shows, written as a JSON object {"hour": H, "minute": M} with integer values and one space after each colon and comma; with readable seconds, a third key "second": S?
{"hour": 9, "minute": 17}
